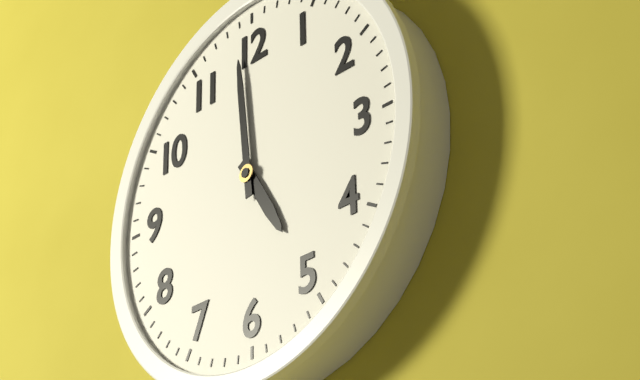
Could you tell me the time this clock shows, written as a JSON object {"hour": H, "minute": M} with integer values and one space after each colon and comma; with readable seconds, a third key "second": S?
{"hour": 4, "minute": 59}
